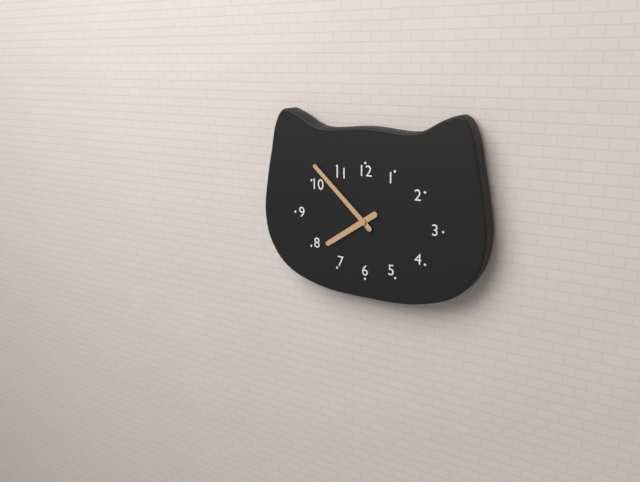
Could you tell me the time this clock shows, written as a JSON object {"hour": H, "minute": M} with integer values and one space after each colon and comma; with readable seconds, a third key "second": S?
{"hour": 7, "minute": 52}
